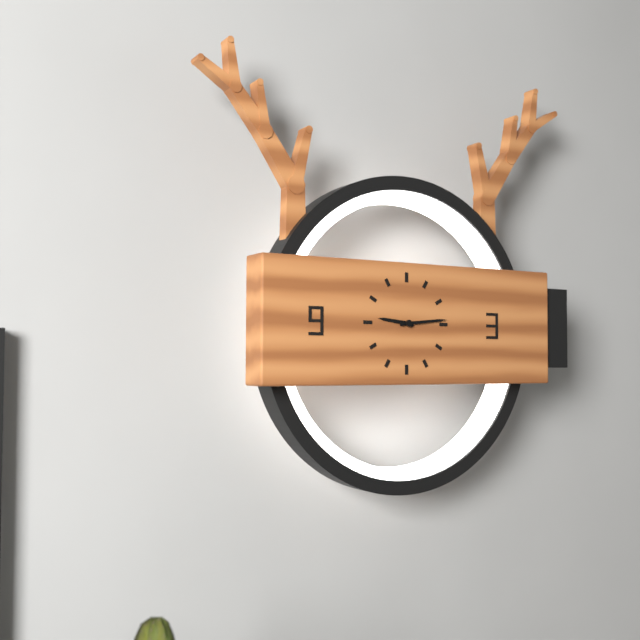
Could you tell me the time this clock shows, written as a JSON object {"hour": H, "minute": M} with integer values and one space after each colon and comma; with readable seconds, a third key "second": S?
{"hour": 9, "minute": 14}
